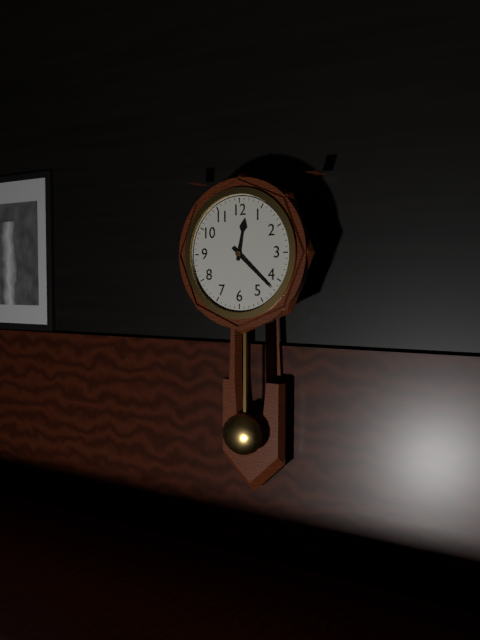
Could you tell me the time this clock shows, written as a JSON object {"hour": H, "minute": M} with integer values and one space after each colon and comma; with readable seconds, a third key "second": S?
{"hour": 12, "minute": 22}
